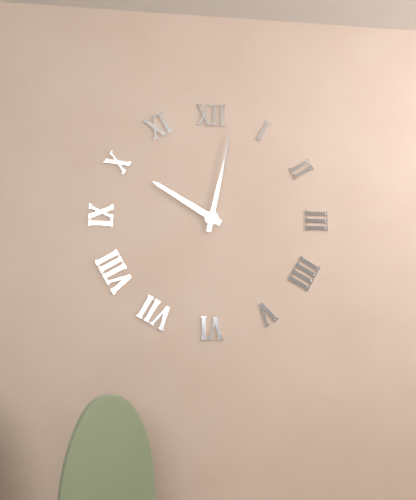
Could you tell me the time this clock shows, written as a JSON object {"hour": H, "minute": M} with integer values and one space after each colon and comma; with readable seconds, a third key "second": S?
{"hour": 10, "minute": 2}
